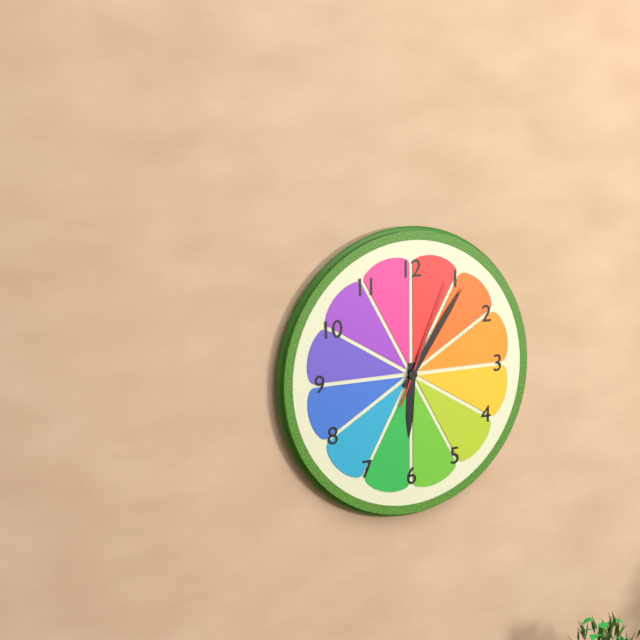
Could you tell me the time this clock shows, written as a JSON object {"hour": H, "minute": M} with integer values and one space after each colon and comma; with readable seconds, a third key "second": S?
{"hour": 6, "minute": 6, "second": 4}
